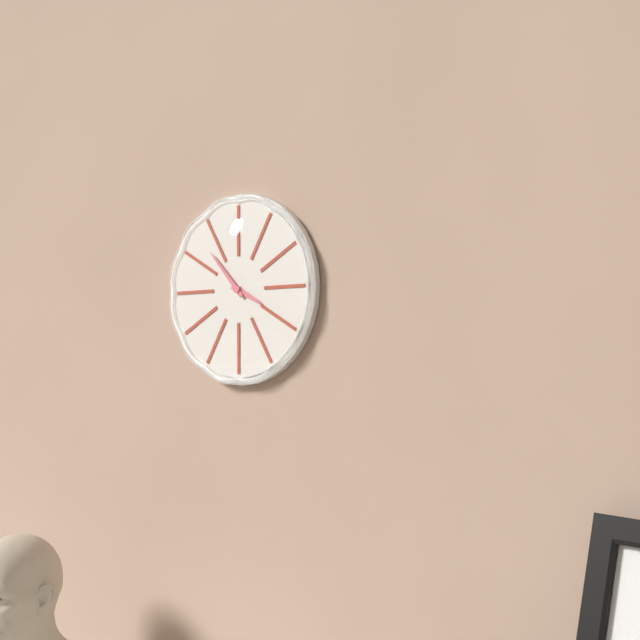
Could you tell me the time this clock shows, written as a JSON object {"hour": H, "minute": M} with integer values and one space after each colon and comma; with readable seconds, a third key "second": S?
{"hour": 3, "minute": 53}
